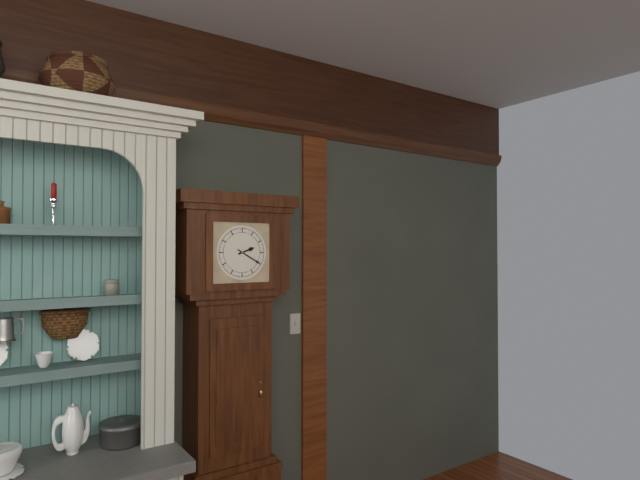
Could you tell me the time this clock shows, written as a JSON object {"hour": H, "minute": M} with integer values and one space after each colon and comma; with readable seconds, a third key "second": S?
{"hour": 2, "minute": 20}
